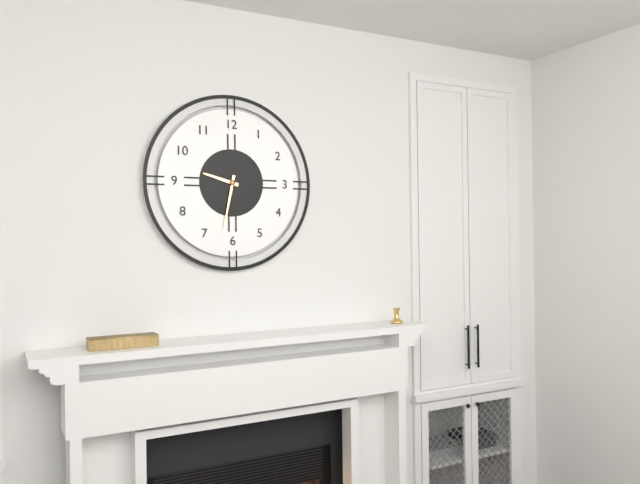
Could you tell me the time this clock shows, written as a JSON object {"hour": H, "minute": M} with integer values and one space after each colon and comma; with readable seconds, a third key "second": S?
{"hour": 9, "minute": 32}
